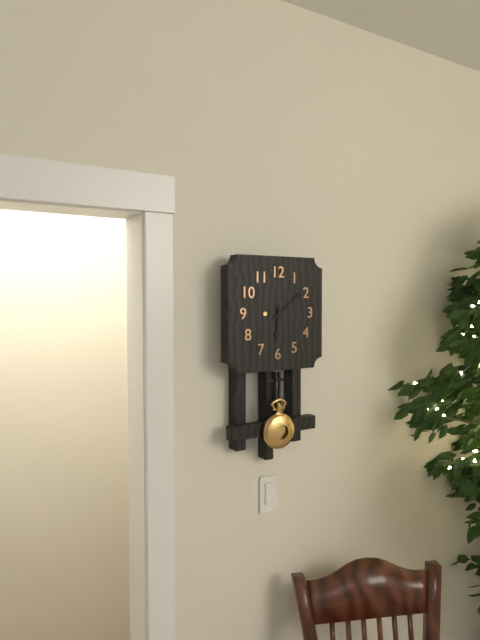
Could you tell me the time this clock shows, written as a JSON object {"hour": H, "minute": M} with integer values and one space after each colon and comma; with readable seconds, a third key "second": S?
{"hour": 6, "minute": 9}
